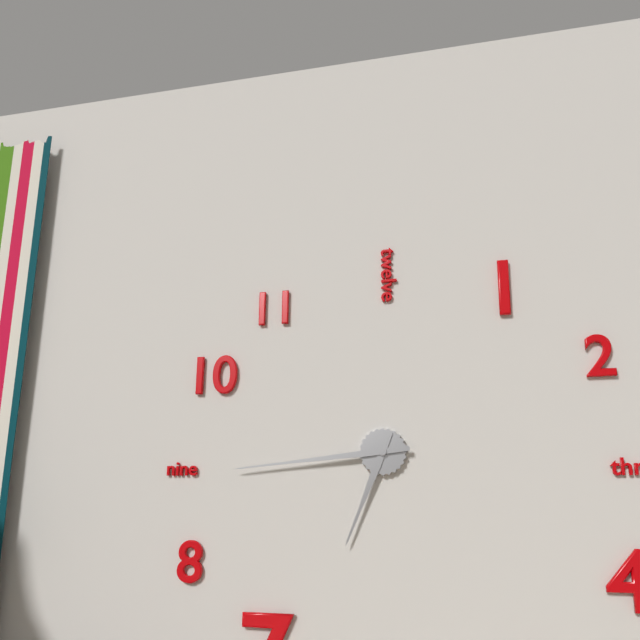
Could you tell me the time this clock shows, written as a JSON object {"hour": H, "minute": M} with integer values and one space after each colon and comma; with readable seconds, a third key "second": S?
{"hour": 6, "minute": 44}
